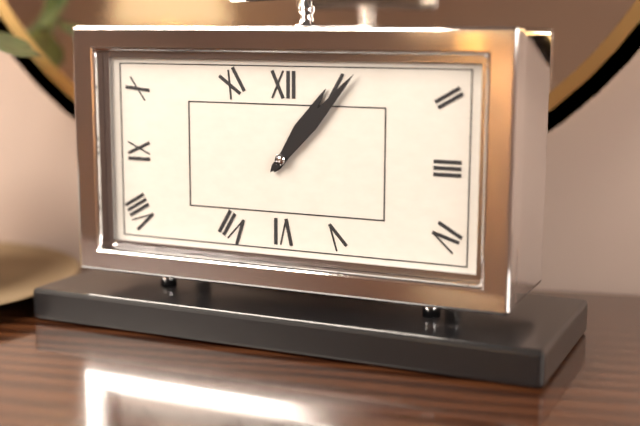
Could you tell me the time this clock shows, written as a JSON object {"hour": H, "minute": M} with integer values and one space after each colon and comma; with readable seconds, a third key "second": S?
{"hour": 1, "minute": 7}
